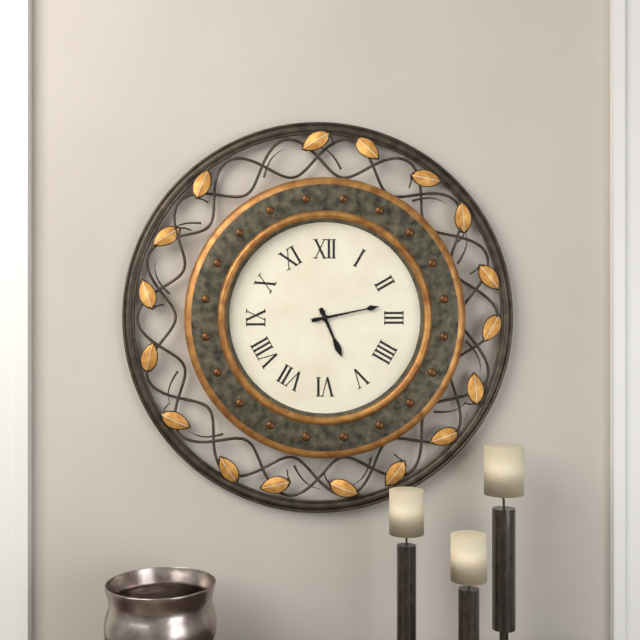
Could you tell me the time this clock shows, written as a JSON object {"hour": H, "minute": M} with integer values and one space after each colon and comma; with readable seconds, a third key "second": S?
{"hour": 5, "minute": 13}
